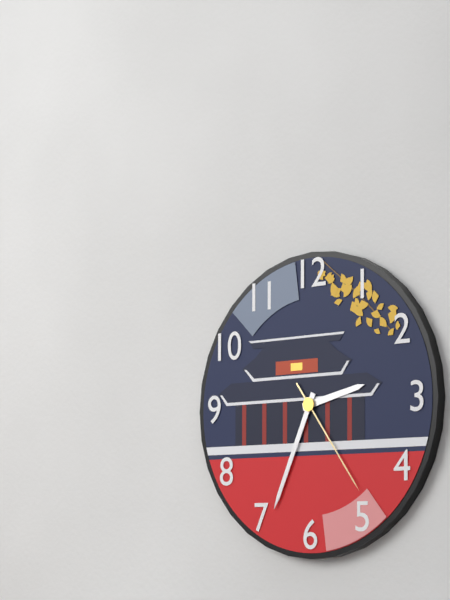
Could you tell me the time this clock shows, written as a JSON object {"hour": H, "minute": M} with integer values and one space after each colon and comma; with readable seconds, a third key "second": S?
{"hour": 2, "minute": 34, "second": 24}
